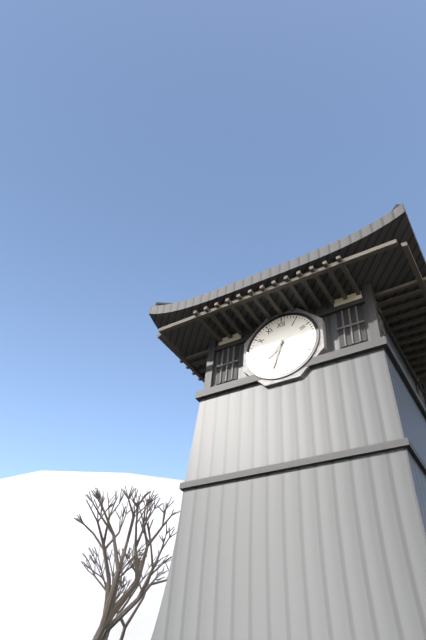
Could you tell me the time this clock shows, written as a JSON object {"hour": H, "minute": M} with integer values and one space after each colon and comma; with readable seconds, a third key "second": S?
{"hour": 7, "minute": 33}
